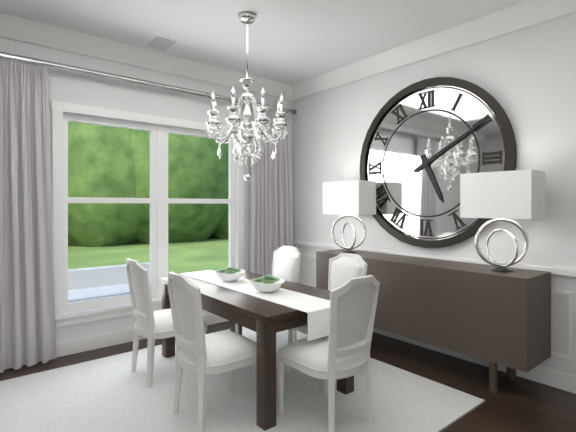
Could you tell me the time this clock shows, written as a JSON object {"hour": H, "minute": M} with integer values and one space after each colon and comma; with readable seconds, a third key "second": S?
{"hour": 5, "minute": 10}
